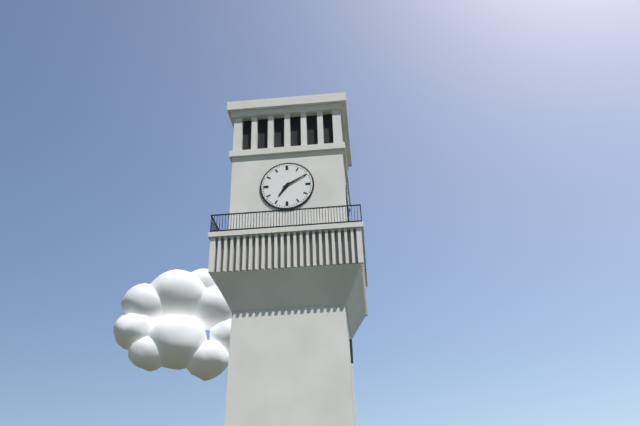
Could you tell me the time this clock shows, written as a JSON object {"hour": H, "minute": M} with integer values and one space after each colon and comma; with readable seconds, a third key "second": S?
{"hour": 7, "minute": 10}
